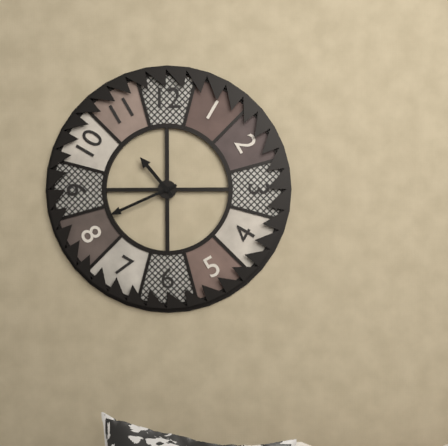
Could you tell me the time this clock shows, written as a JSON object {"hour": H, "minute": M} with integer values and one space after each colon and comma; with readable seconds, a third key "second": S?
{"hour": 10, "minute": 41}
